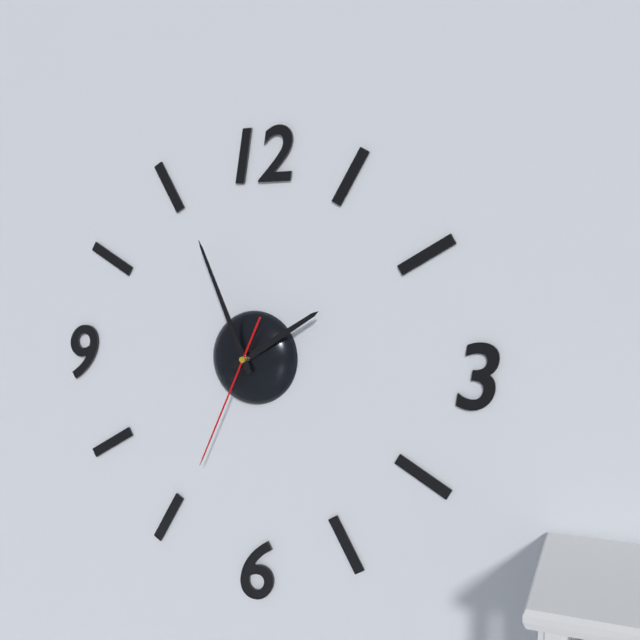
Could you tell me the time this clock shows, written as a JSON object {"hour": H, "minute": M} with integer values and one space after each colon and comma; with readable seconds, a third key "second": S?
{"hour": 1, "minute": 56, "second": 34}
